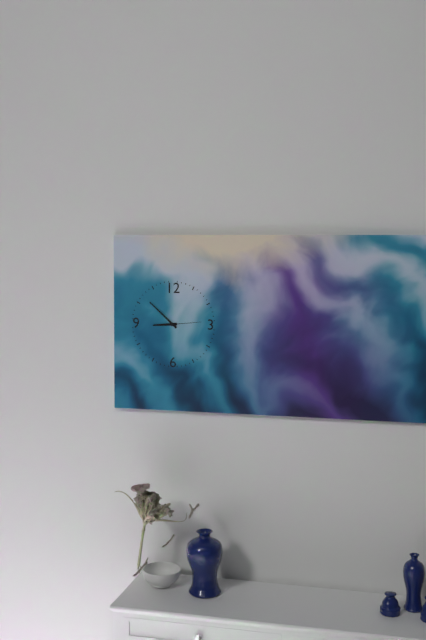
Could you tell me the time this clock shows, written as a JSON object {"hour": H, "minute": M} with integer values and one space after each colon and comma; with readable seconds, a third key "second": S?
{"hour": 8, "minute": 52}
